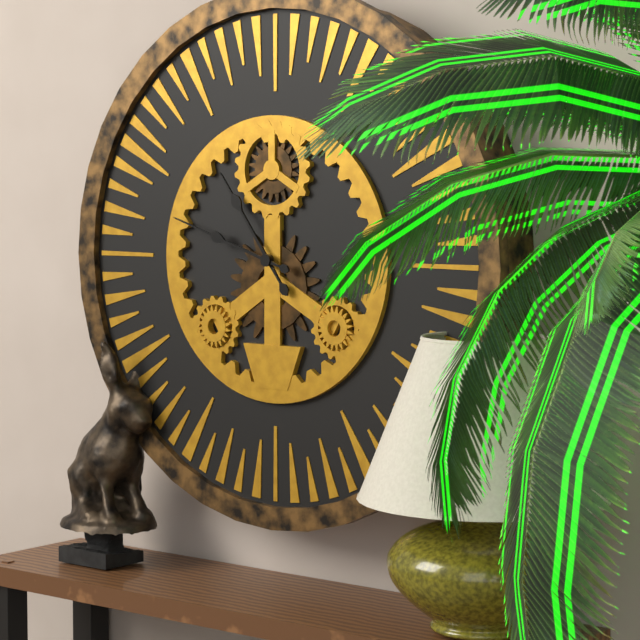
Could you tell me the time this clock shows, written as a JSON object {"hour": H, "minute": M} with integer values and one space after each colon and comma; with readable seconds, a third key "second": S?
{"hour": 10, "minute": 48}
